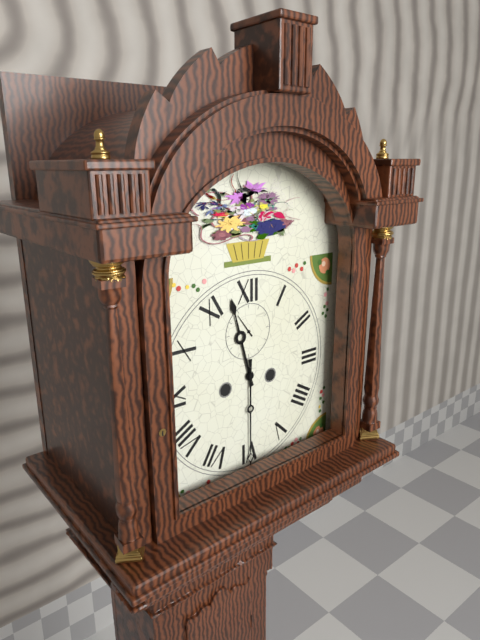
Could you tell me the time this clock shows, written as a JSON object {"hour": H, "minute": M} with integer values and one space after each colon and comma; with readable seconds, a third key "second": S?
{"hour": 11, "minute": 30}
